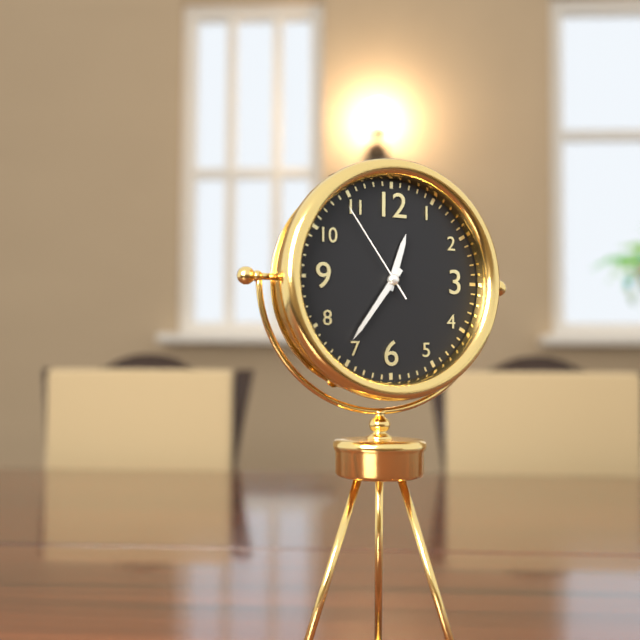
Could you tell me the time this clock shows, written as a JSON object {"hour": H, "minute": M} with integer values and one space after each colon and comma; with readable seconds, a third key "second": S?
{"hour": 12, "minute": 36, "second": 54}
